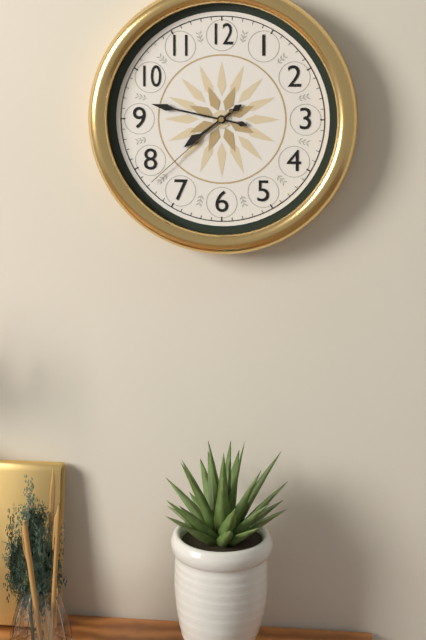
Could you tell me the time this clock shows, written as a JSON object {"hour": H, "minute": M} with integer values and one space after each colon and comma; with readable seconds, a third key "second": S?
{"hour": 7, "minute": 47, "second": 38}
